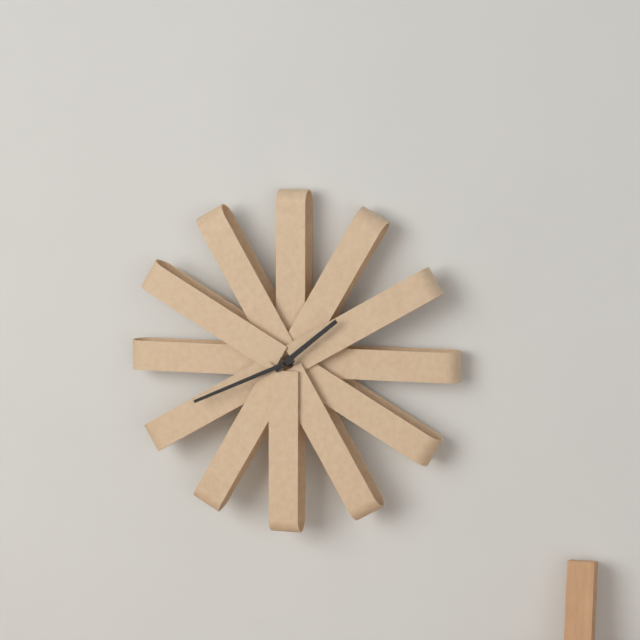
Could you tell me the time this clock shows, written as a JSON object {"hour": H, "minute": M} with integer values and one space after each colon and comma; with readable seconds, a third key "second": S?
{"hour": 1, "minute": 41}
